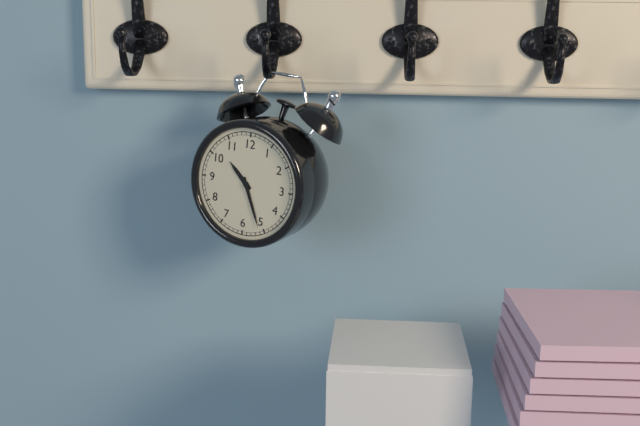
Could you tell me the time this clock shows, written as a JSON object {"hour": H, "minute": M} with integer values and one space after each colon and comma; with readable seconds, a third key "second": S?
{"hour": 10, "minute": 26}
